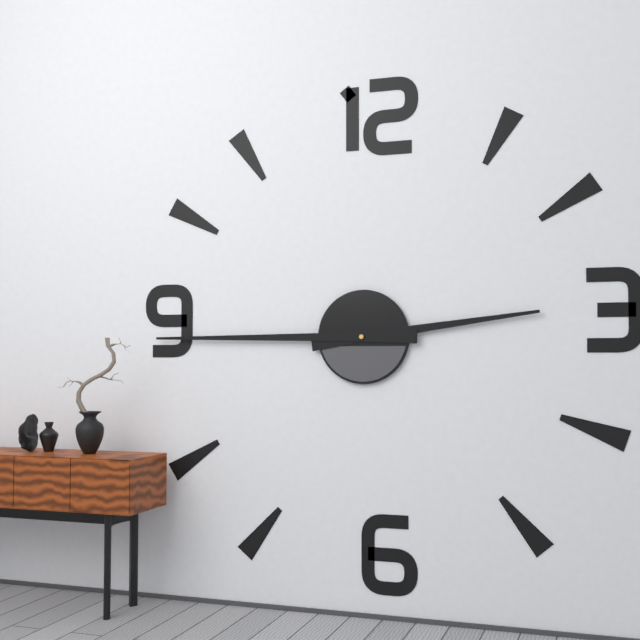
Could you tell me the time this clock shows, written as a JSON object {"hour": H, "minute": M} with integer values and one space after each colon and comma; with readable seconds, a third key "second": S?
{"hour": 2, "minute": 45}
